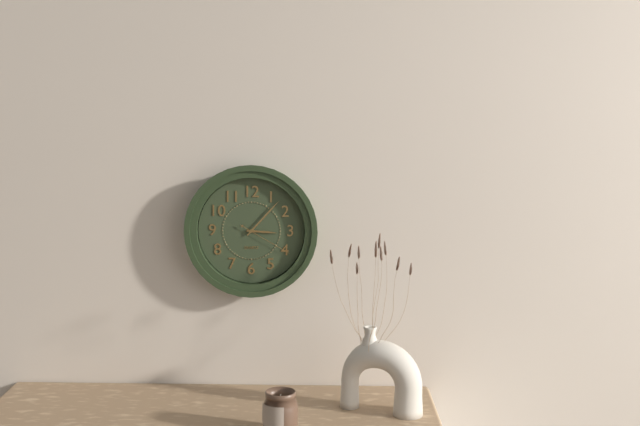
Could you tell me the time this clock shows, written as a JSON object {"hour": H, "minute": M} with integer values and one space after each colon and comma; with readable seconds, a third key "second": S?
{"hour": 3, "minute": 7, "second": 20}
